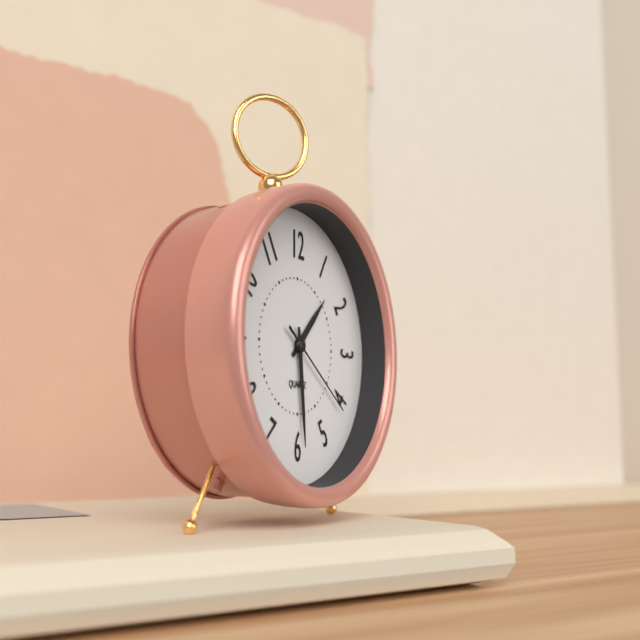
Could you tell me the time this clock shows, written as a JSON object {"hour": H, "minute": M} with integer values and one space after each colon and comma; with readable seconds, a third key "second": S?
{"hour": 1, "minute": 29, "second": 21}
